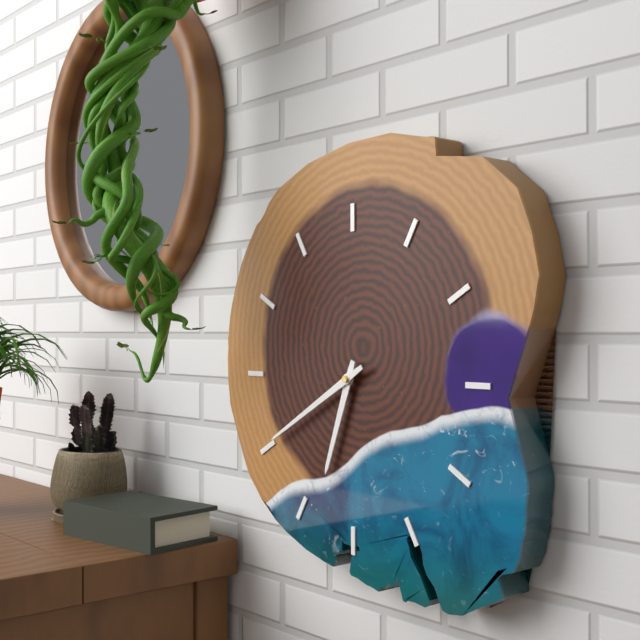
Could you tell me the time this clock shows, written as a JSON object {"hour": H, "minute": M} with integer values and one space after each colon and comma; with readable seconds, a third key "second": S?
{"hour": 6, "minute": 40}
